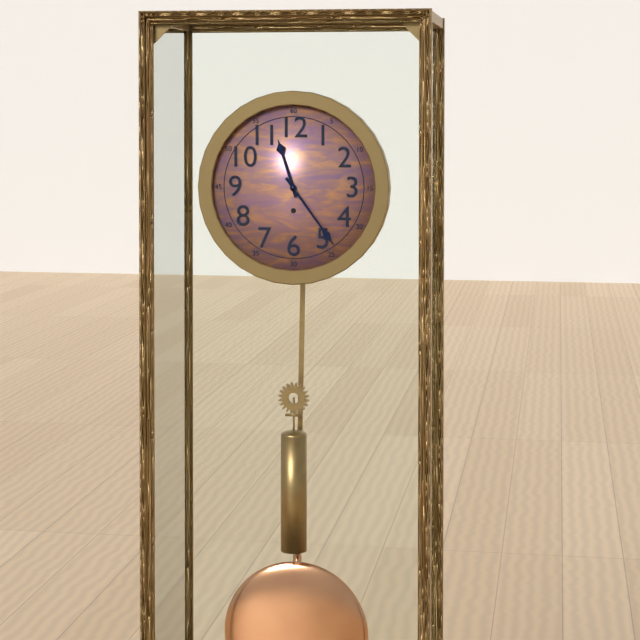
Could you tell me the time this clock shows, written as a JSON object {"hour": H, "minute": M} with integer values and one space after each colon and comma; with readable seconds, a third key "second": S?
{"hour": 11, "minute": 24}
